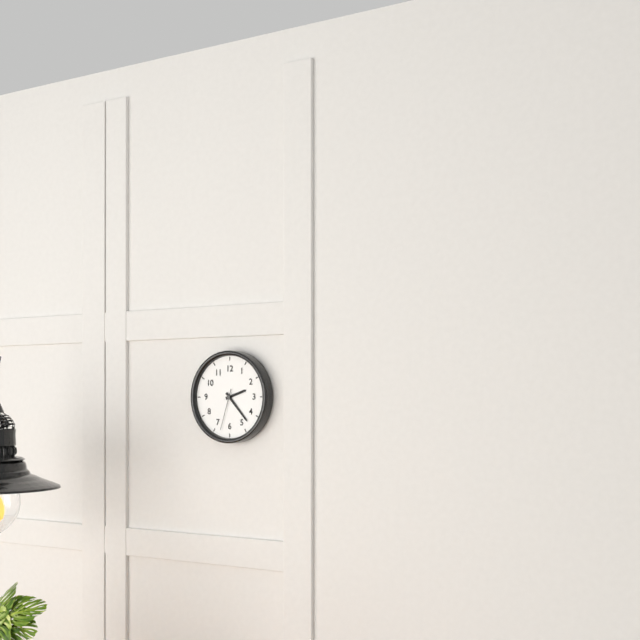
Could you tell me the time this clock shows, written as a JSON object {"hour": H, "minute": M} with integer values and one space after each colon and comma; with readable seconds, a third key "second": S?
{"hour": 2, "minute": 23}
